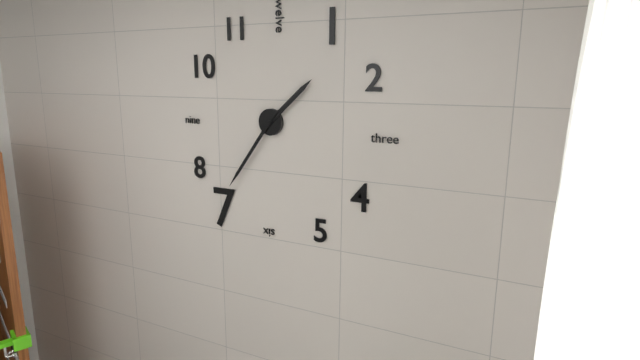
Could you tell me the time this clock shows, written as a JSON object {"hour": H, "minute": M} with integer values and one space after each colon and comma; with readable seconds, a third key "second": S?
{"hour": 1, "minute": 36}
